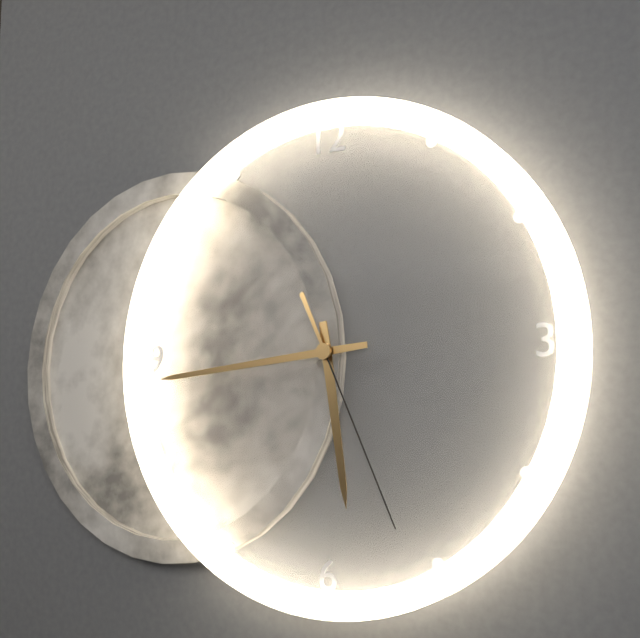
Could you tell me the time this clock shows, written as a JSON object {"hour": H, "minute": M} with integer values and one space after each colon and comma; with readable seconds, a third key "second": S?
{"hour": 5, "minute": 44, "second": 26}
